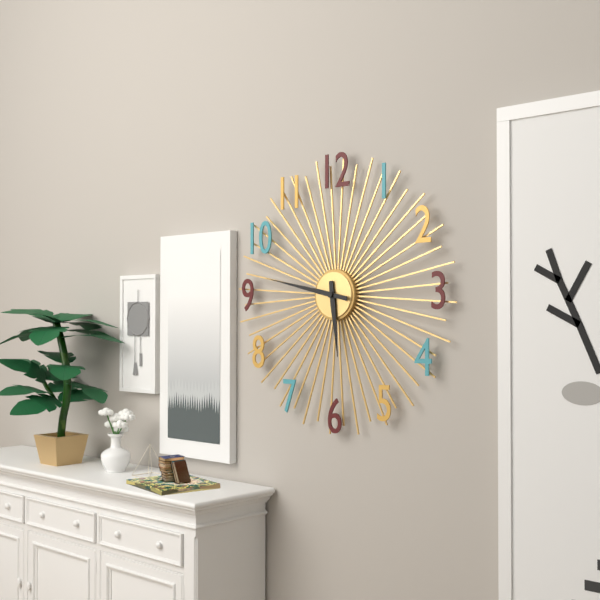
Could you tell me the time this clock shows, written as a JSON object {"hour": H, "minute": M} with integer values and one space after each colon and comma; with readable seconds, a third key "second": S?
{"hour": 5, "minute": 47}
